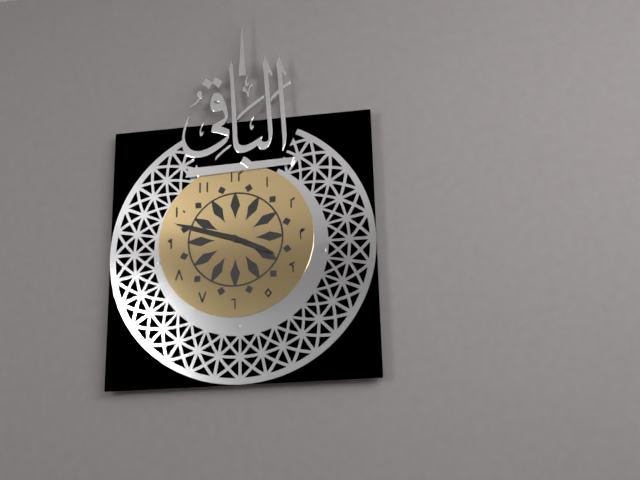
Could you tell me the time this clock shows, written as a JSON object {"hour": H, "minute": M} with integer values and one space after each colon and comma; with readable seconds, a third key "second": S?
{"hour": 3, "minute": 48}
